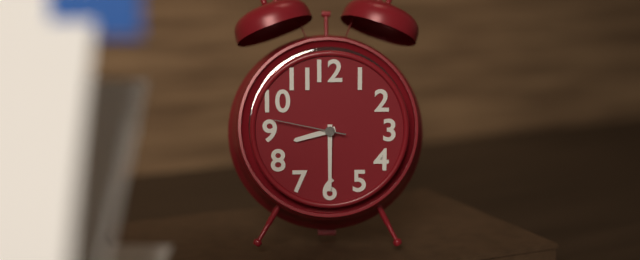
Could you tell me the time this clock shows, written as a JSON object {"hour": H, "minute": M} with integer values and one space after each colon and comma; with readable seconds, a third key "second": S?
{"hour": 8, "minute": 30, "second": 47}
